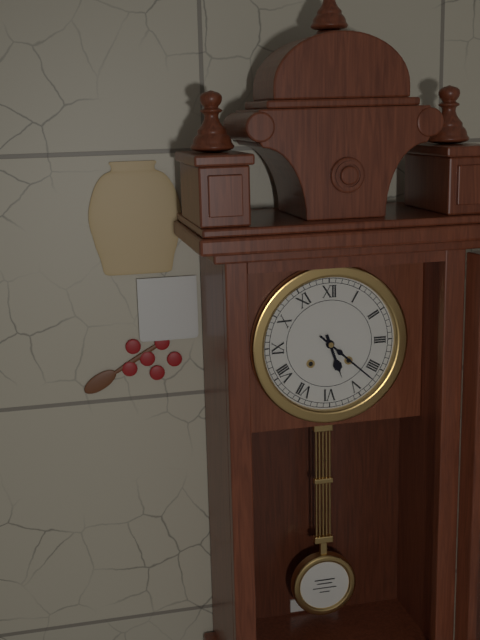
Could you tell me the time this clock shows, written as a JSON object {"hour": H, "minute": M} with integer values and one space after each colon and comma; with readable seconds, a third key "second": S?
{"hour": 5, "minute": 22}
